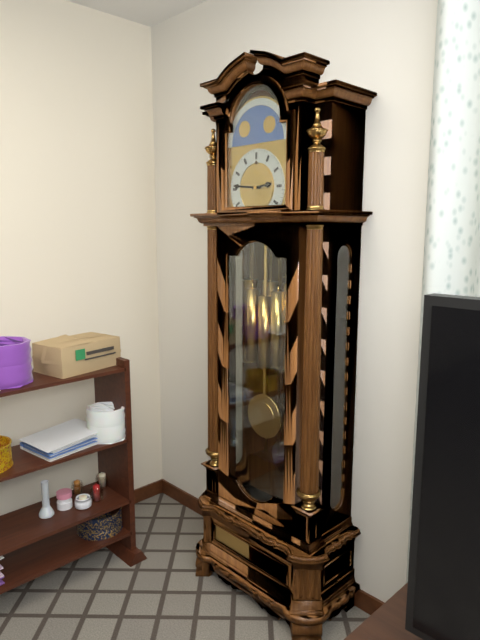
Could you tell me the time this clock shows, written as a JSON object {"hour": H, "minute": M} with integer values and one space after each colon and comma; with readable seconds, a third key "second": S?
{"hour": 2, "minute": 46}
